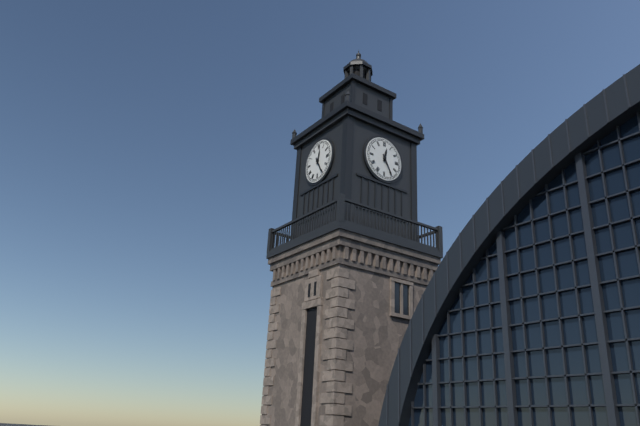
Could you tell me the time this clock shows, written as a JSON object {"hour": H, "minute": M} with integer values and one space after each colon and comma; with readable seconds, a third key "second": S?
{"hour": 12, "minute": 25}
